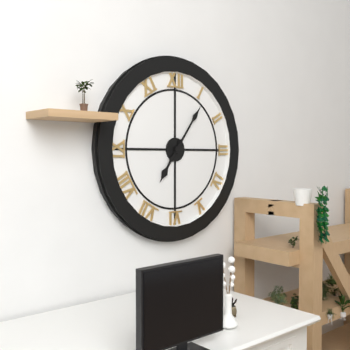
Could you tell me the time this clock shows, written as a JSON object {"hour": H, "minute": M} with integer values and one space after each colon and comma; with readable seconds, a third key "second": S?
{"hour": 7, "minute": 6}
